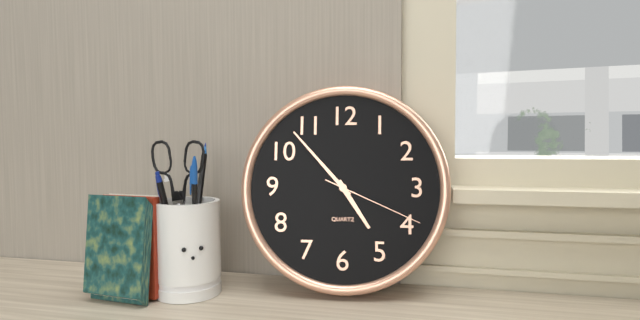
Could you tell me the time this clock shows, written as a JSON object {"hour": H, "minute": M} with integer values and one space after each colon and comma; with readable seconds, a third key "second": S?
{"hour": 4, "minute": 53, "second": 19}
